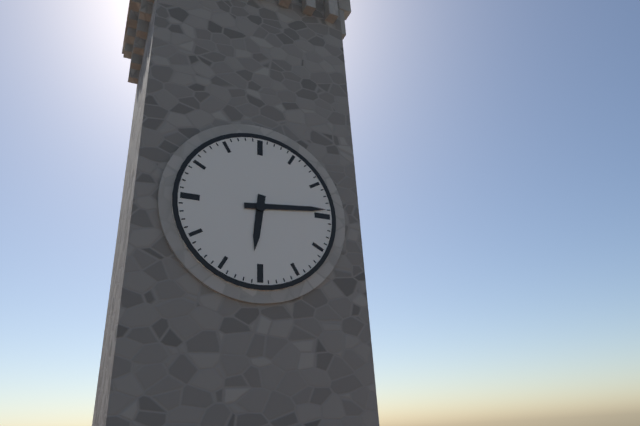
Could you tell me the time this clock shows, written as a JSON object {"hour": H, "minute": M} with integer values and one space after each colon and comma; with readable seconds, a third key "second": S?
{"hour": 6, "minute": 14}
